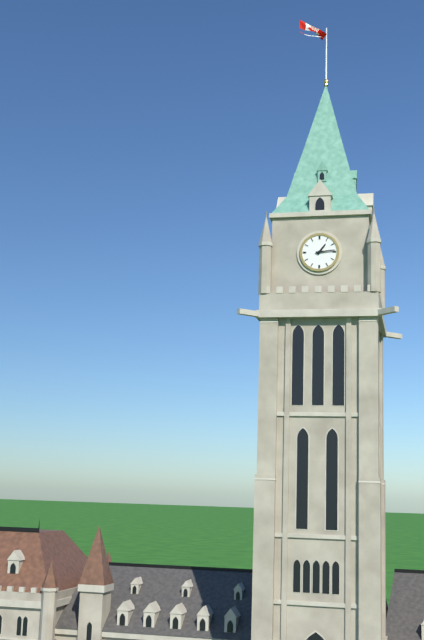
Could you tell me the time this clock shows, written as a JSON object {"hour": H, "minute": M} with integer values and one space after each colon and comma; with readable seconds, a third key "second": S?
{"hour": 1, "minute": 14}
